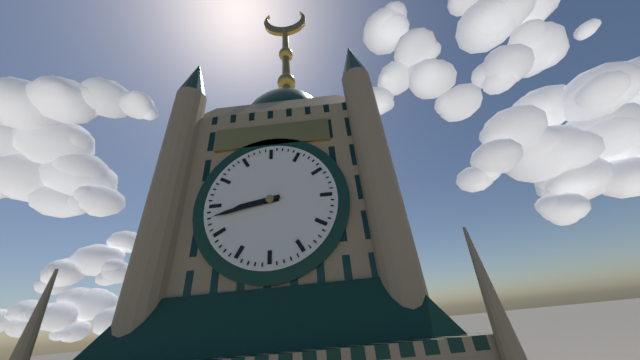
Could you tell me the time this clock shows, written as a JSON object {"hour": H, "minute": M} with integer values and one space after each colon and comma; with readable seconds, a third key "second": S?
{"hour": 8, "minute": 43}
